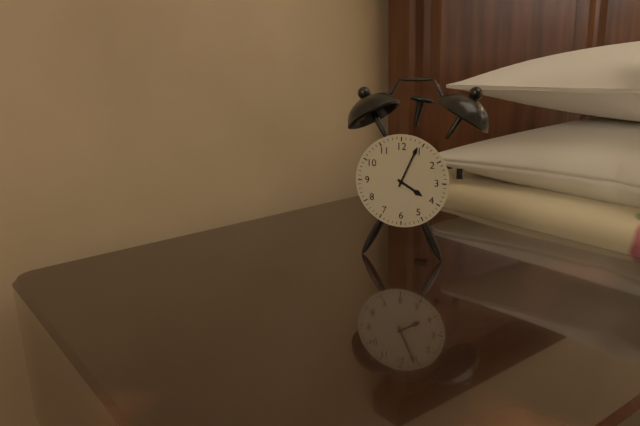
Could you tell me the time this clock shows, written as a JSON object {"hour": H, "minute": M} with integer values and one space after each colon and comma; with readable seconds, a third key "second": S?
{"hour": 4, "minute": 4}
